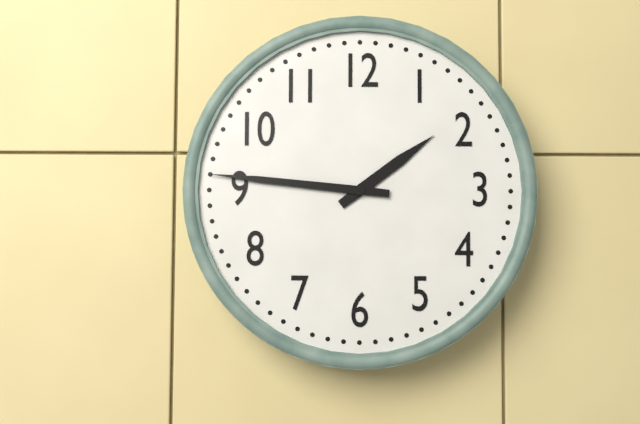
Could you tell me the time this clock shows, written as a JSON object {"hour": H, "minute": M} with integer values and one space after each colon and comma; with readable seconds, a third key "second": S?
{"hour": 1, "minute": 46}
